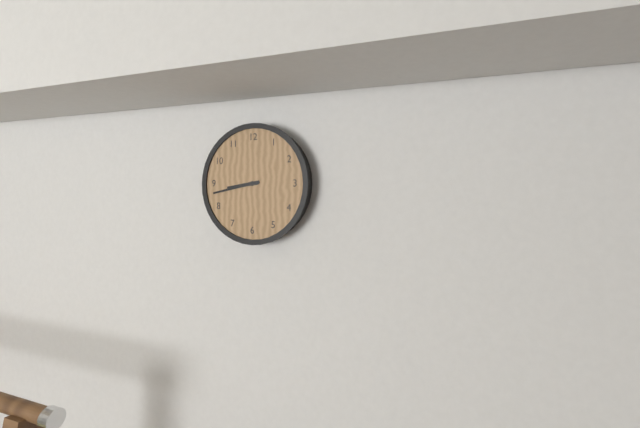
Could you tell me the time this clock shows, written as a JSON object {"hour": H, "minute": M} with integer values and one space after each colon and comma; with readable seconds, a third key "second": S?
{"hour": 8, "minute": 43}
